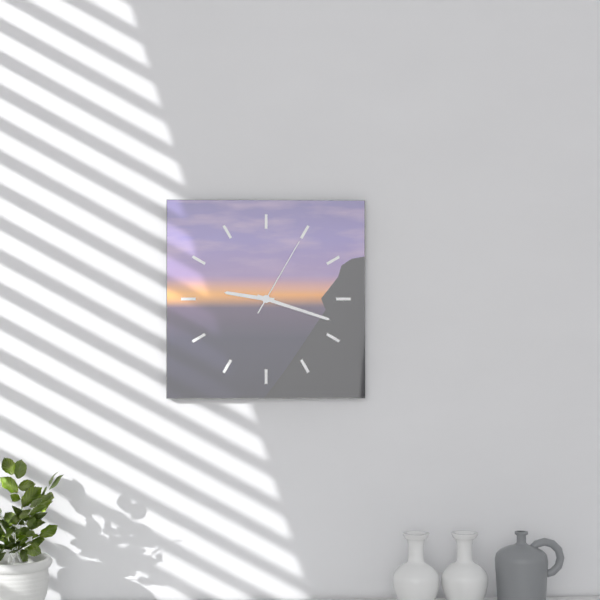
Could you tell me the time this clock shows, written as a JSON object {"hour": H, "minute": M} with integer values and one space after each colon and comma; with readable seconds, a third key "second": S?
{"hour": 9, "minute": 18, "second": 5}
